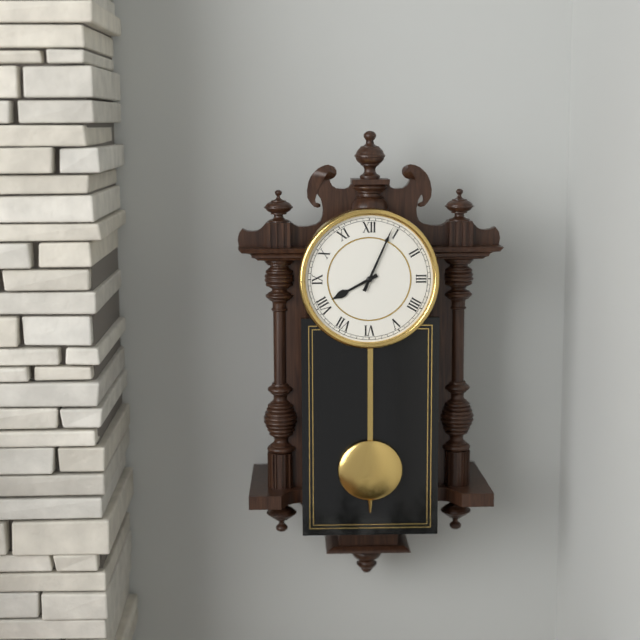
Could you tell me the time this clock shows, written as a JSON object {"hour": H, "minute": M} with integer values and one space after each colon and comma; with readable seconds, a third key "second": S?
{"hour": 8, "minute": 4}
